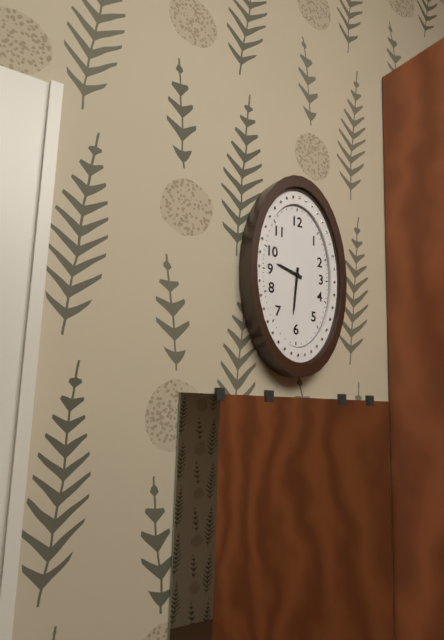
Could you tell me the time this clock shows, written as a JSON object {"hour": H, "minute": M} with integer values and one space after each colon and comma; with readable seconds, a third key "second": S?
{"hour": 9, "minute": 31}
